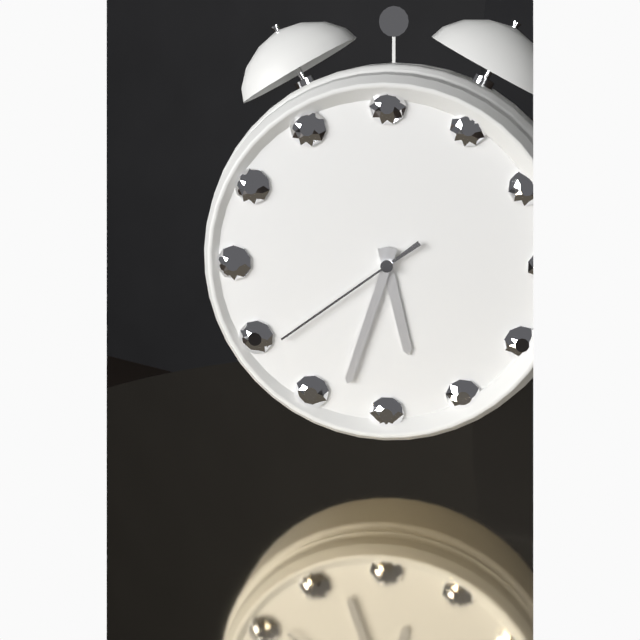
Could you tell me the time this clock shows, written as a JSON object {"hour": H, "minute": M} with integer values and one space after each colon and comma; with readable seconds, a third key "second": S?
{"hour": 5, "minute": 33, "second": 39}
